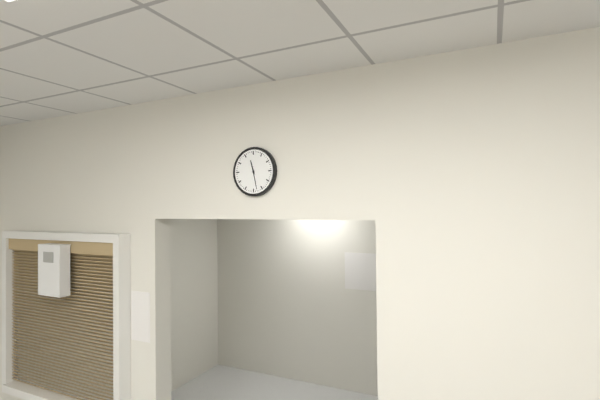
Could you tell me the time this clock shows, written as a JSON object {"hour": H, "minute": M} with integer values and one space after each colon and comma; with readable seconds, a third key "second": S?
{"hour": 11, "minute": 28}
